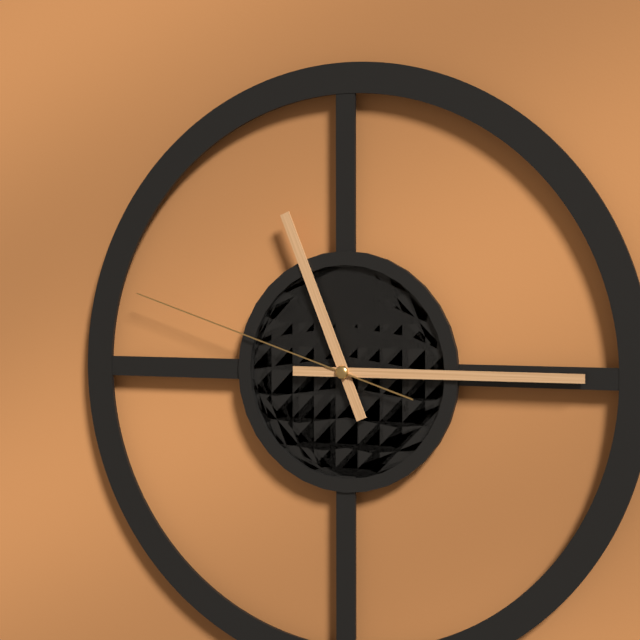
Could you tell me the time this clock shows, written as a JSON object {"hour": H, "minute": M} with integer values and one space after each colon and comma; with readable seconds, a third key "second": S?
{"hour": 11, "minute": 15, "second": 48}
